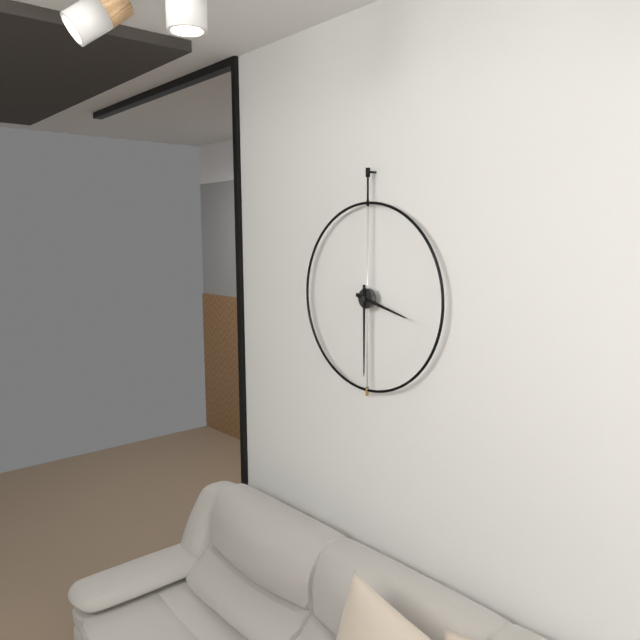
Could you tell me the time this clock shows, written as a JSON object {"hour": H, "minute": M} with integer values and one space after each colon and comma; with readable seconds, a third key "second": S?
{"hour": 3, "minute": 30}
